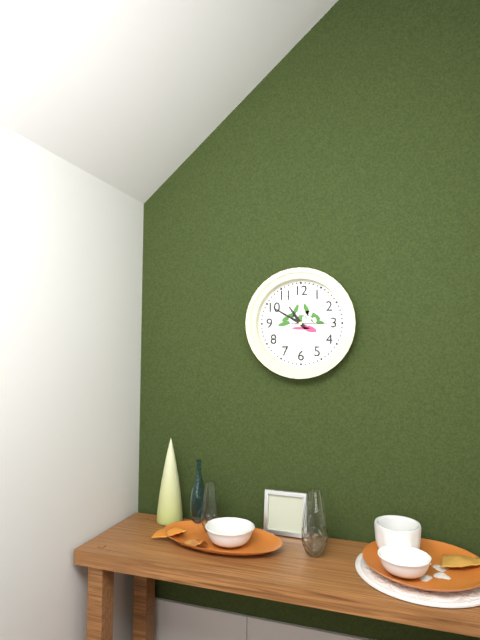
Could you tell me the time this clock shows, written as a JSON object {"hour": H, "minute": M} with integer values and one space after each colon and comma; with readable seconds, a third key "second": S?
{"hour": 10, "minute": 50}
